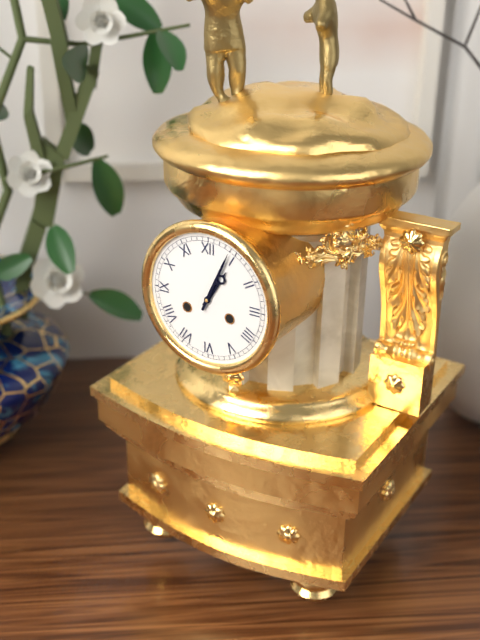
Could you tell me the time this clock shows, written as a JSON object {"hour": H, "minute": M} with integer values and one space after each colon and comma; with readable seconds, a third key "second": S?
{"hour": 1, "minute": 4}
